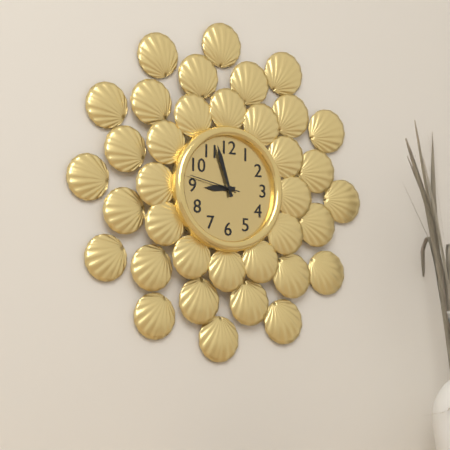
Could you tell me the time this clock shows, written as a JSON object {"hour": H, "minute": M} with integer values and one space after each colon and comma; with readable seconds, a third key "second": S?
{"hour": 8, "minute": 57, "second": 47}
